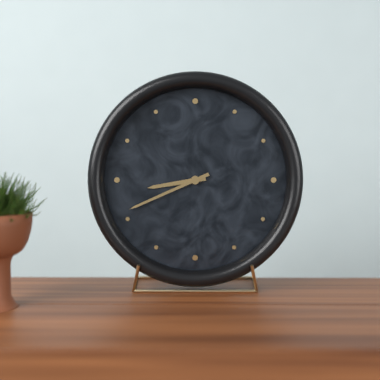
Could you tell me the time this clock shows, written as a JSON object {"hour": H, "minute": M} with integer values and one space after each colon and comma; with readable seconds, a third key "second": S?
{"hour": 8, "minute": 41}
